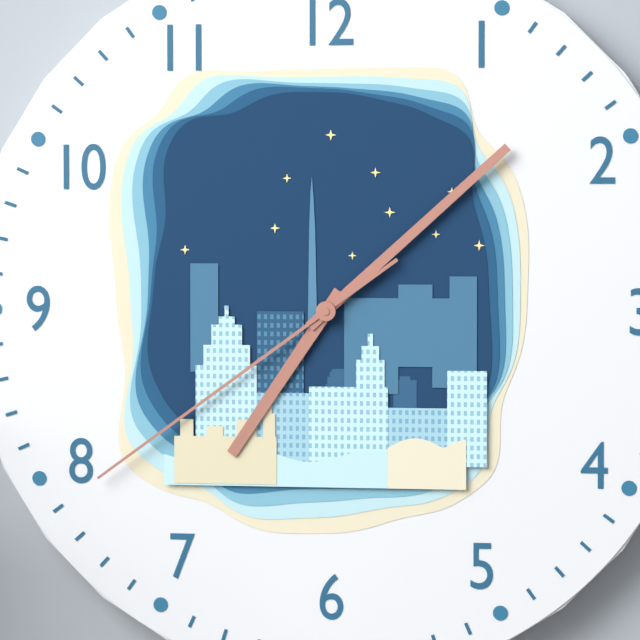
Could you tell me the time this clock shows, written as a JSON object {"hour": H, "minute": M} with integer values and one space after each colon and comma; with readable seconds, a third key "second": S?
{"hour": 7, "minute": 8, "second": 39}
